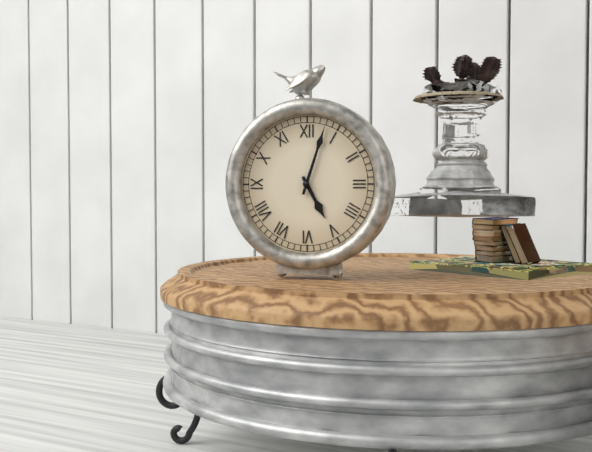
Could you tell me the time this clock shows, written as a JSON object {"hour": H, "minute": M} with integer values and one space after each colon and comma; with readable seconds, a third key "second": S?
{"hour": 5, "minute": 3}
